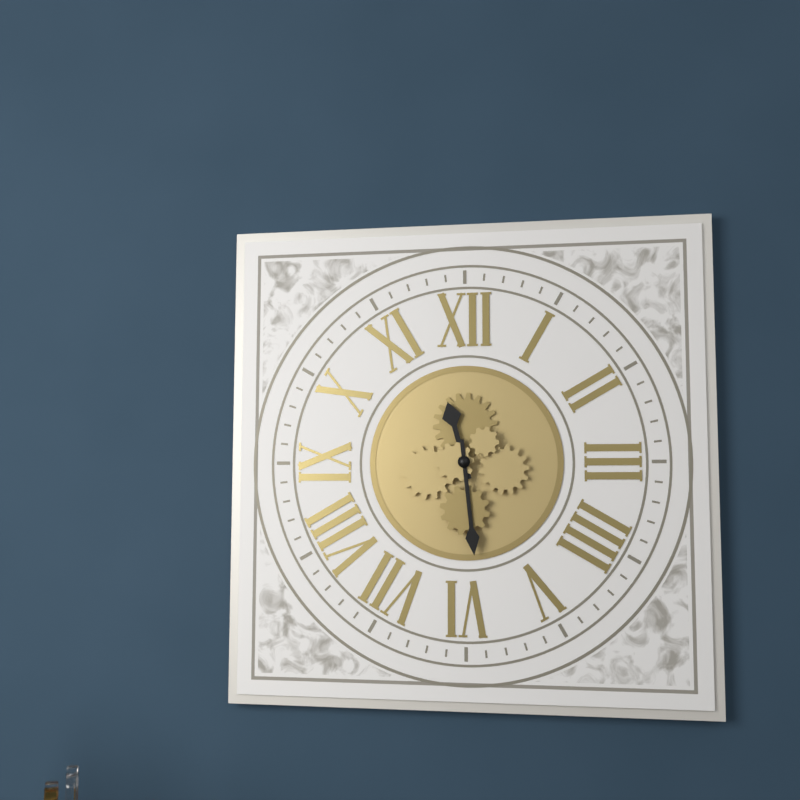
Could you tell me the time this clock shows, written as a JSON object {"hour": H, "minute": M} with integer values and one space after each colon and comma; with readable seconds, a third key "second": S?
{"hour": 11, "minute": 29}
